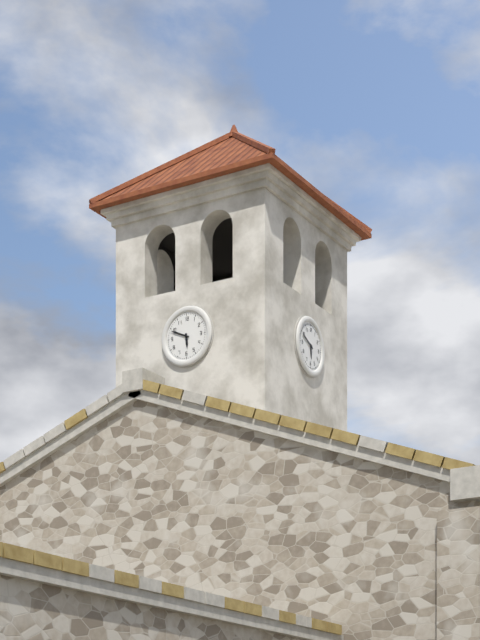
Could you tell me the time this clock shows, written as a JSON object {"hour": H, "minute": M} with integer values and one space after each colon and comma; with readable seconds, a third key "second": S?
{"hour": 5, "minute": 49}
